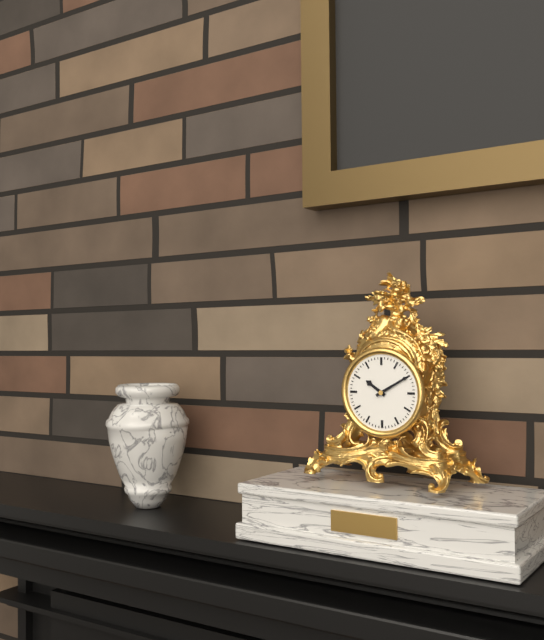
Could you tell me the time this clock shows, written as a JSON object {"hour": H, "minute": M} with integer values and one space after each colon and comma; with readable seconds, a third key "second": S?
{"hour": 10, "minute": 10}
